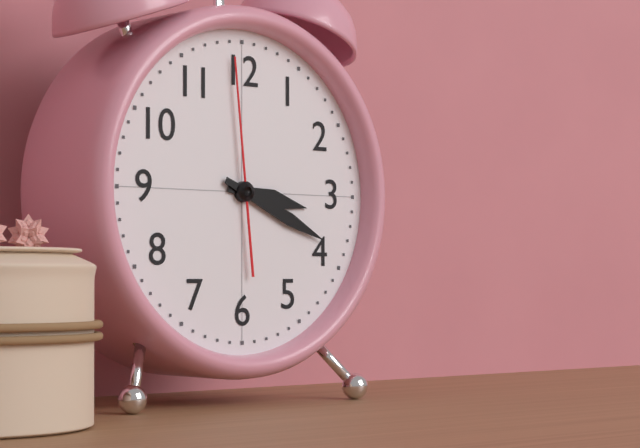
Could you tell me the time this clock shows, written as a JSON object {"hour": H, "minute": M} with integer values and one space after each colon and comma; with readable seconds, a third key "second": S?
{"hour": 3, "minute": 19, "second": 59}
